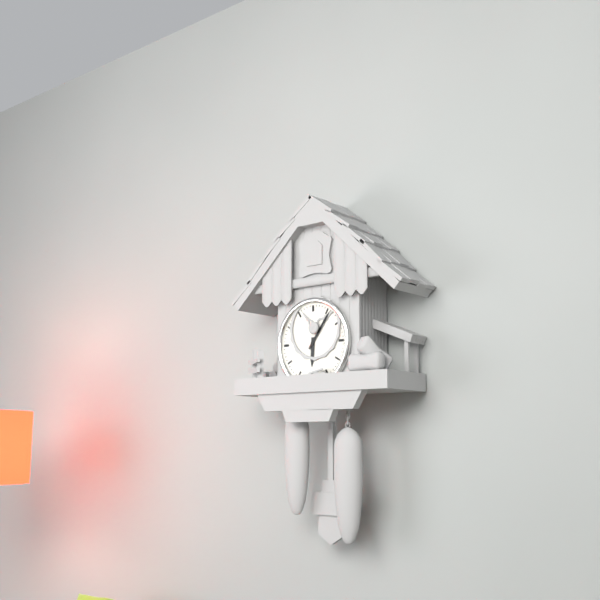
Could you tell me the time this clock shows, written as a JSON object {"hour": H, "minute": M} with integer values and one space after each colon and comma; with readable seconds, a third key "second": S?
{"hour": 6, "minute": 6}
